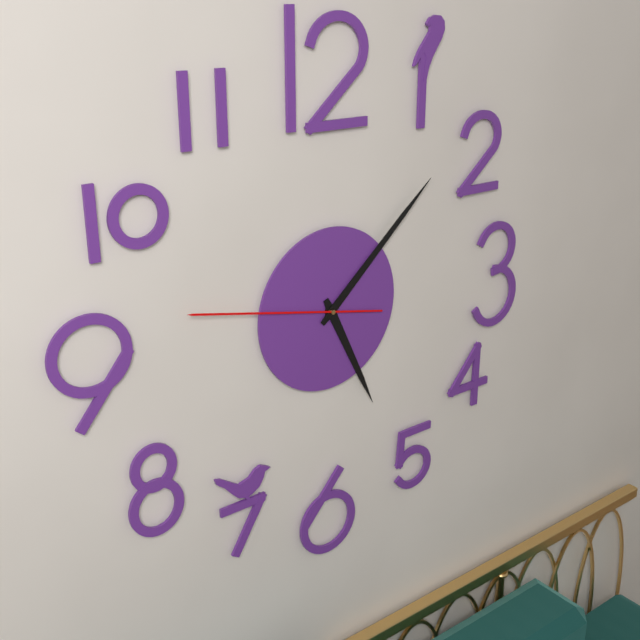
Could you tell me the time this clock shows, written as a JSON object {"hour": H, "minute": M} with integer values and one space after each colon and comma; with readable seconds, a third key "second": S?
{"hour": 5, "minute": 8, "second": 47}
